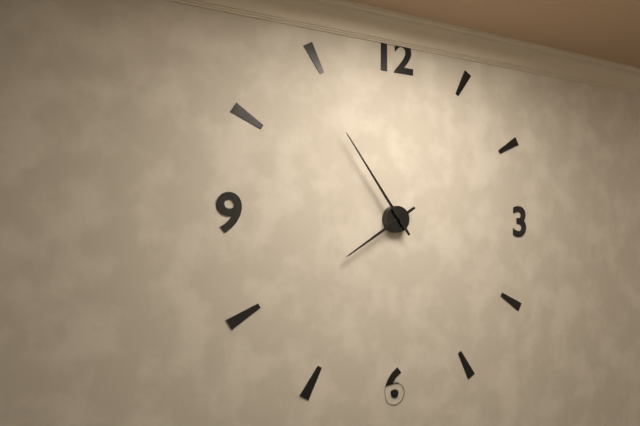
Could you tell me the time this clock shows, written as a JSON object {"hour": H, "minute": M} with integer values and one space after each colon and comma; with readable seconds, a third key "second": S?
{"hour": 7, "minute": 54}
